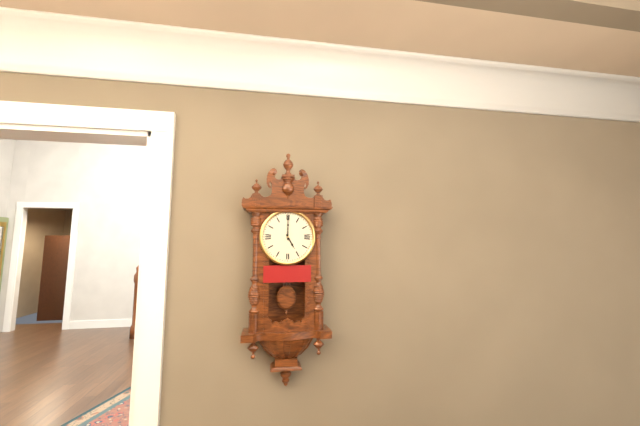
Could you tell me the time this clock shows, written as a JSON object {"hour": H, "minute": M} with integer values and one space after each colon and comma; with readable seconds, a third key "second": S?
{"hour": 5, "minute": 0}
